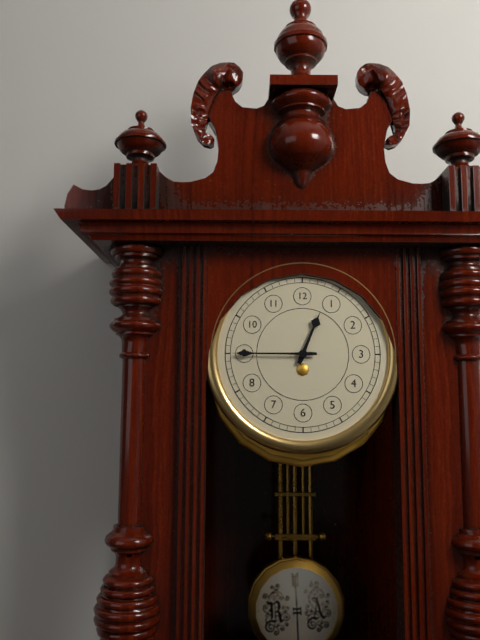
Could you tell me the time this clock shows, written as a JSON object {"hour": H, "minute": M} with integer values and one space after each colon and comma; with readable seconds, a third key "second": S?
{"hour": 12, "minute": 45}
